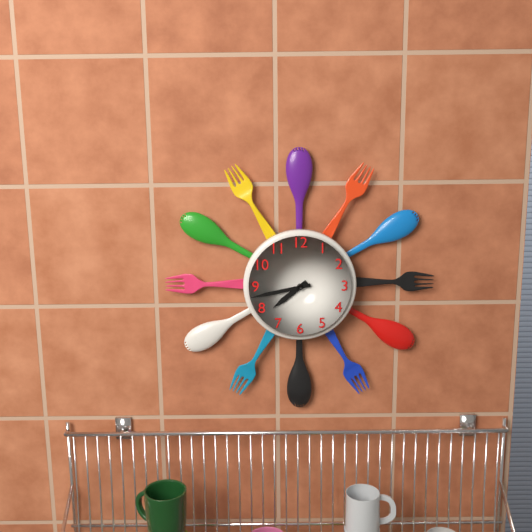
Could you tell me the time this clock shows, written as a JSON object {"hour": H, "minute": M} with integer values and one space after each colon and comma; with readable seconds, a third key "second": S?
{"hour": 7, "minute": 43}
